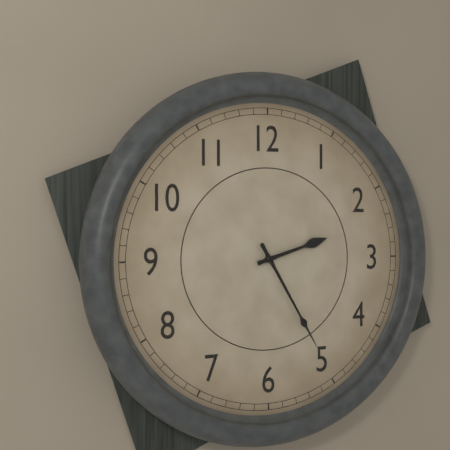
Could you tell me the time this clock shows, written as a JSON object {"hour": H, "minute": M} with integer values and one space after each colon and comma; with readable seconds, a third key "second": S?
{"hour": 2, "minute": 25}
